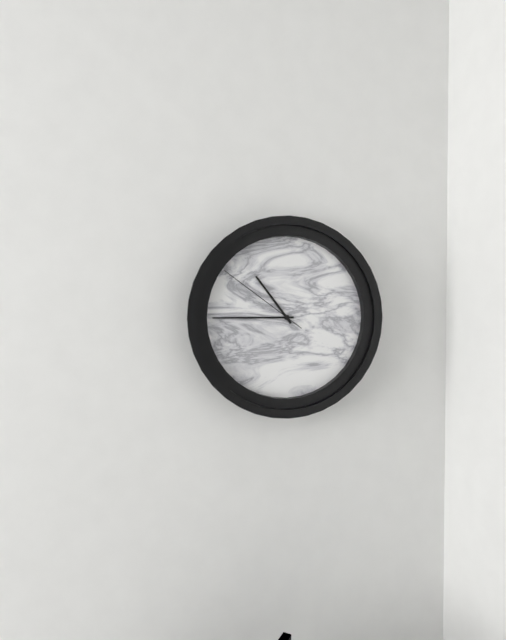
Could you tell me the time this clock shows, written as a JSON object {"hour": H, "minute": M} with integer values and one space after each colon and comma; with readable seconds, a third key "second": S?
{"hour": 10, "minute": 45, "second": 51}
